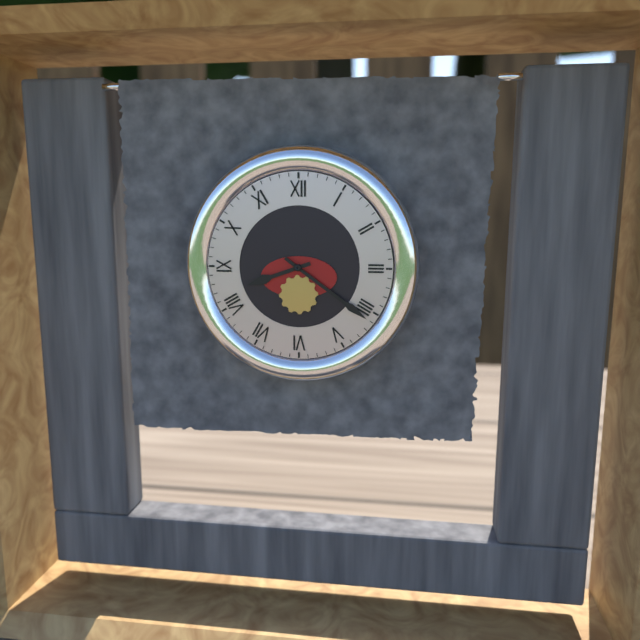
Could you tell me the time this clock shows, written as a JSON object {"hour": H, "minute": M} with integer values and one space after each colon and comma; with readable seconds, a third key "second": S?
{"hour": 8, "minute": 21}
